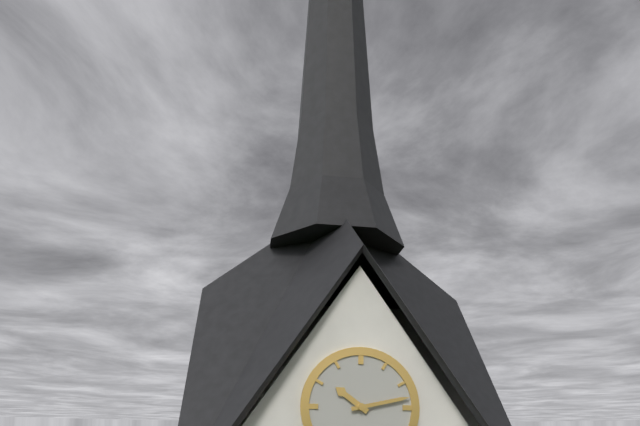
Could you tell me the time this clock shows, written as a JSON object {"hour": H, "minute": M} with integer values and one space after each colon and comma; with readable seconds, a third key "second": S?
{"hour": 10, "minute": 13}
